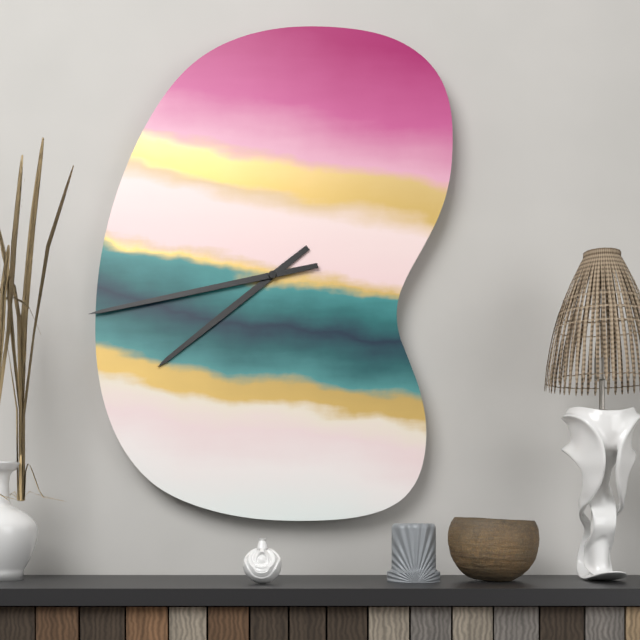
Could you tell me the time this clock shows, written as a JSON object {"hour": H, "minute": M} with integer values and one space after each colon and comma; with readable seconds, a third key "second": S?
{"hour": 7, "minute": 43}
